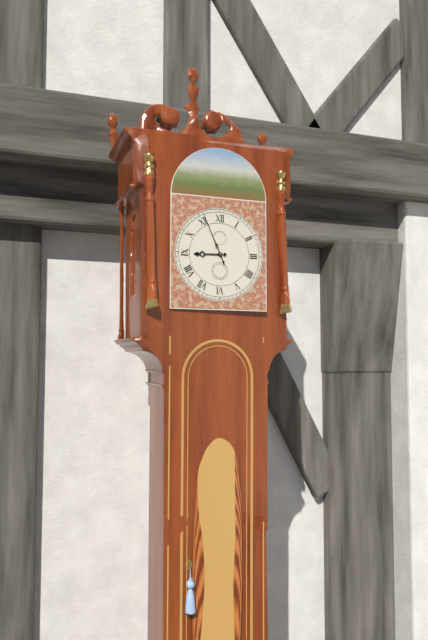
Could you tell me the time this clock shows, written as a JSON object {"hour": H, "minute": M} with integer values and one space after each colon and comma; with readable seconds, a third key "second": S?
{"hour": 8, "minute": 56}
